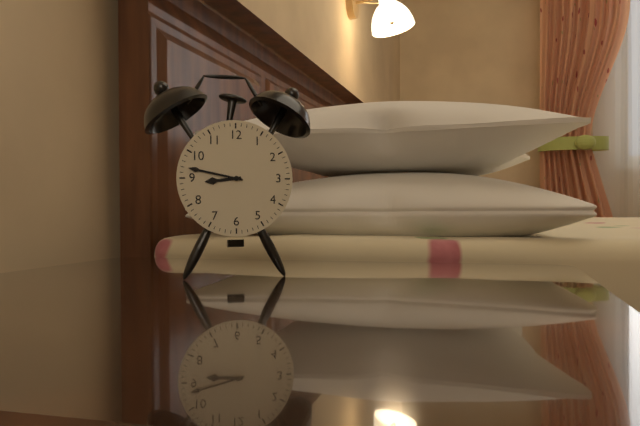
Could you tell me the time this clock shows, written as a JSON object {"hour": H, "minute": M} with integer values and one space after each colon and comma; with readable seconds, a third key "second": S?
{"hour": 8, "minute": 47}
